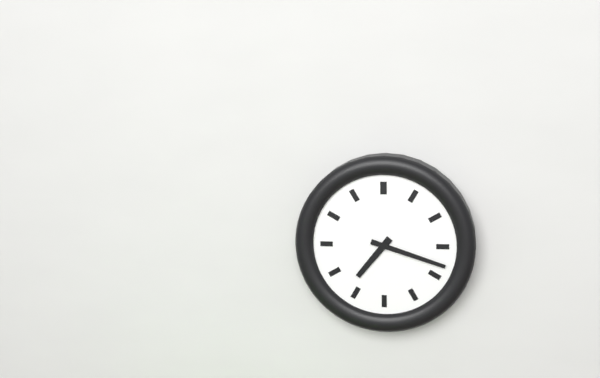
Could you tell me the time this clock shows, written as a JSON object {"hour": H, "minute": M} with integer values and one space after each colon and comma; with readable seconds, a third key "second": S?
{"hour": 7, "minute": 18}
